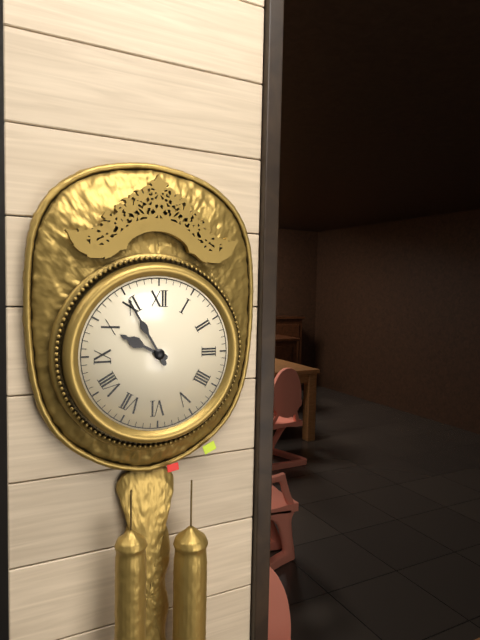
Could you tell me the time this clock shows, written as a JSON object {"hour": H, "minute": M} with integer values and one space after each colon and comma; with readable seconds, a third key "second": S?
{"hour": 9, "minute": 55}
